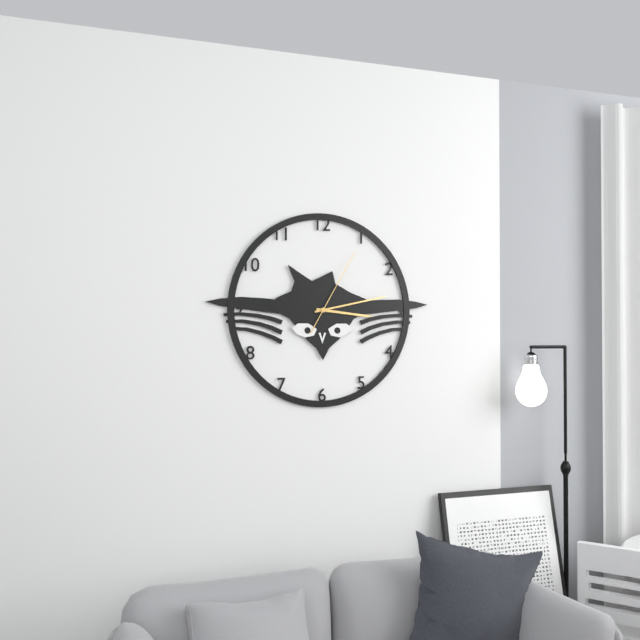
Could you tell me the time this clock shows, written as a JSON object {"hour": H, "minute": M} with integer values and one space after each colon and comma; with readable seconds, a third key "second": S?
{"hour": 3, "minute": 13, "second": 5}
